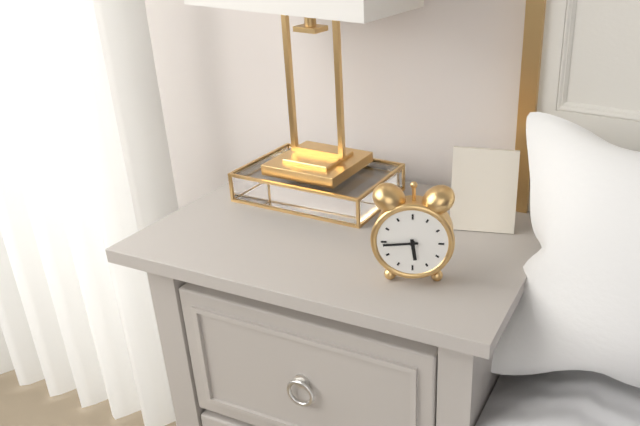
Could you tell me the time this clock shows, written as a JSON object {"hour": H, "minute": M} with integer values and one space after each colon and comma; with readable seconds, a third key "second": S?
{"hour": 5, "minute": 44}
